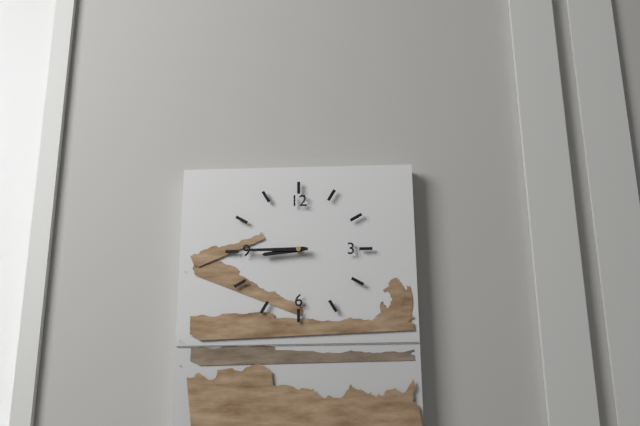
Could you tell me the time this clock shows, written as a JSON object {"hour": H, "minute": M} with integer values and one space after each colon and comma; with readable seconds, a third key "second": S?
{"hour": 8, "minute": 45}
